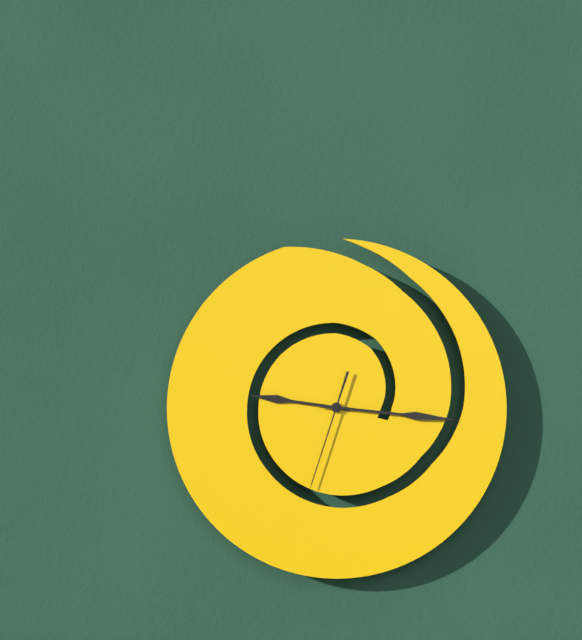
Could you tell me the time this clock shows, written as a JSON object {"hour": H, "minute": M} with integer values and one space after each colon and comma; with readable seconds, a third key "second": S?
{"hour": 9, "minute": 16, "second": 33}
